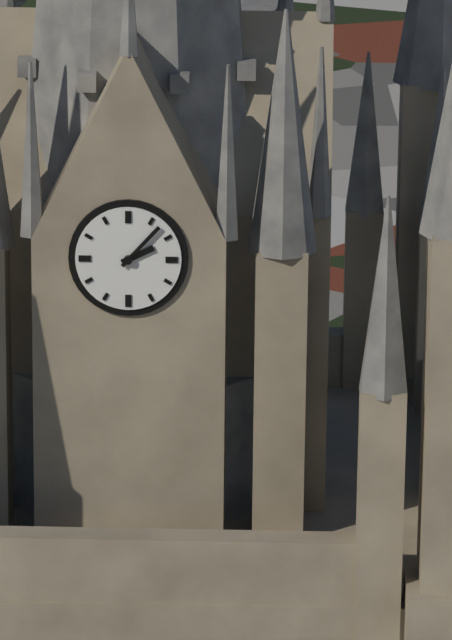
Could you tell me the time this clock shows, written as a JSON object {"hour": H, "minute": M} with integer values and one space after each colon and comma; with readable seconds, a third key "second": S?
{"hour": 2, "minute": 7}
